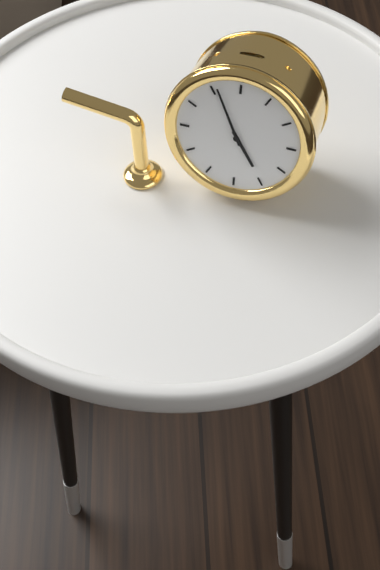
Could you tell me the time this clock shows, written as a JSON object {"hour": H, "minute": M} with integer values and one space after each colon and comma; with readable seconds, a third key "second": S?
{"hour": 4, "minute": 56}
